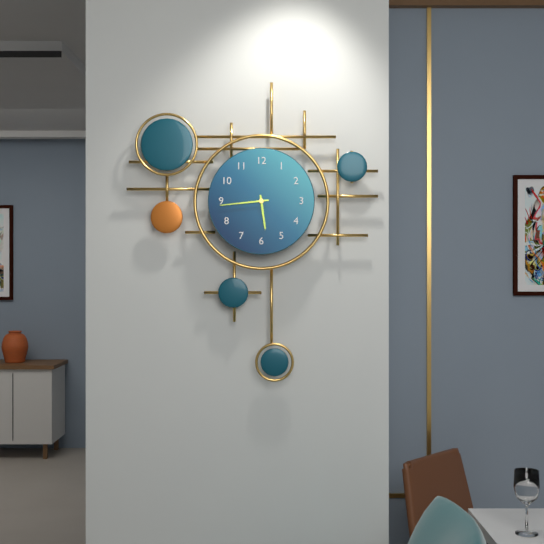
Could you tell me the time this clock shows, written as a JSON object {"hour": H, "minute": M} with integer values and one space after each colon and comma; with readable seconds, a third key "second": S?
{"hour": 5, "minute": 44}
